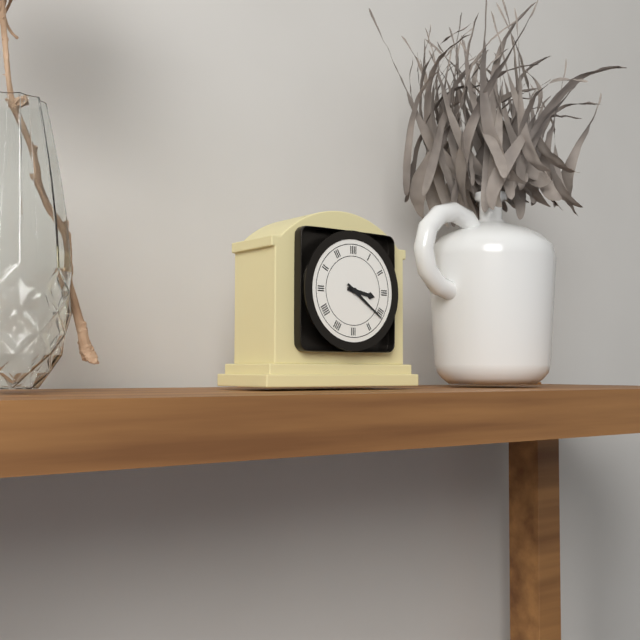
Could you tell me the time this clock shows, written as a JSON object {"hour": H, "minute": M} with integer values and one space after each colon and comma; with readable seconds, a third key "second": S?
{"hour": 3, "minute": 21}
